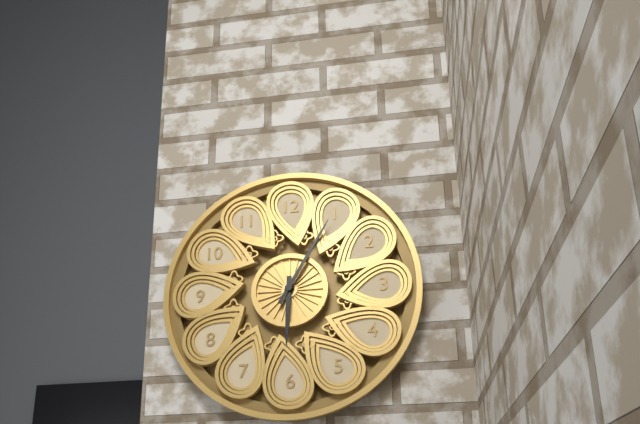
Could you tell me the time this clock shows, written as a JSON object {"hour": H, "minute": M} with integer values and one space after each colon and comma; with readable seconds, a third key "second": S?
{"hour": 6, "minute": 5}
